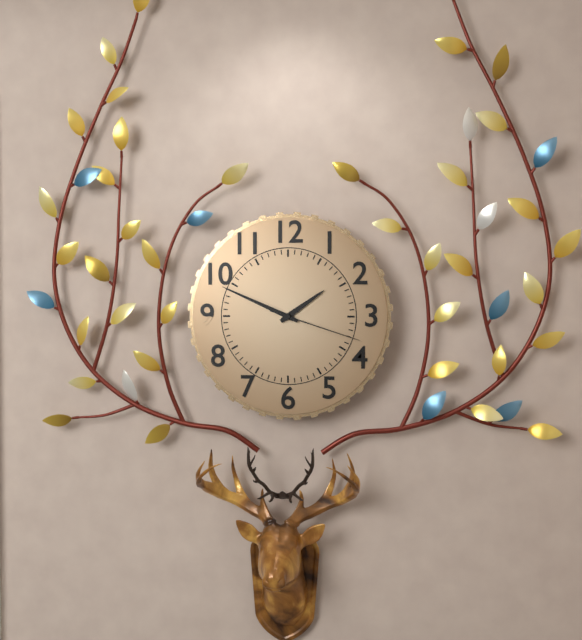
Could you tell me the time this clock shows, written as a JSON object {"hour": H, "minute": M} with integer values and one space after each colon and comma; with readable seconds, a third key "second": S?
{"hour": 1, "minute": 49, "second": 18}
